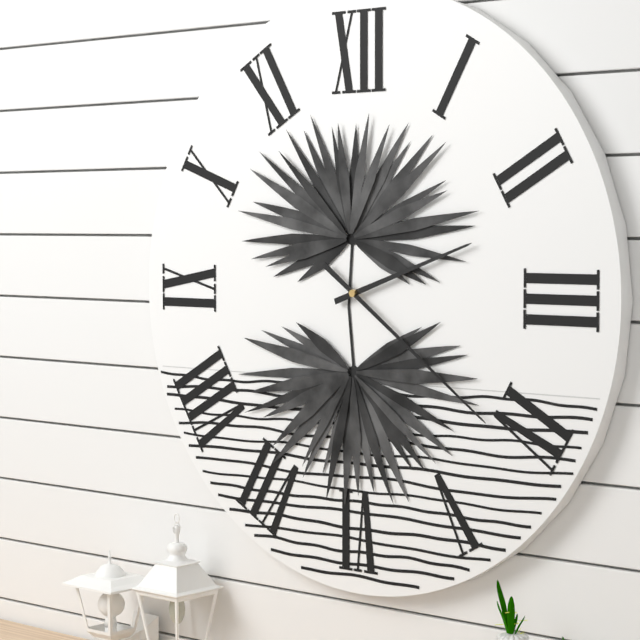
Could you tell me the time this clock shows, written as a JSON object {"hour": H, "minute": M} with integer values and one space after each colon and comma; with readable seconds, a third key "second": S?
{"hour": 2, "minute": 21}
